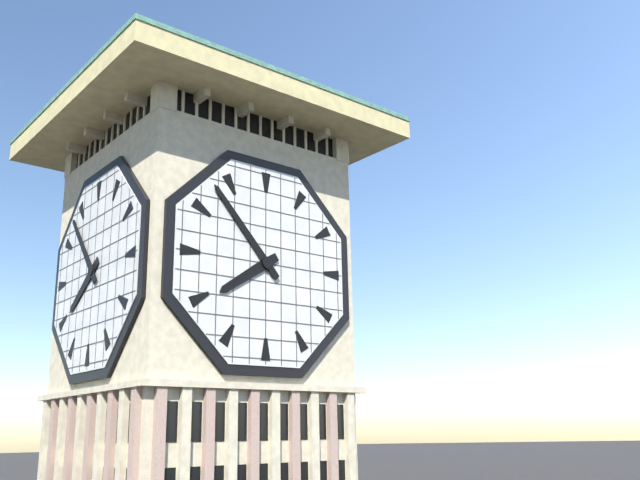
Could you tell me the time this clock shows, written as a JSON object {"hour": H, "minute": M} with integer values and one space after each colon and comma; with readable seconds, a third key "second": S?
{"hour": 7, "minute": 53}
